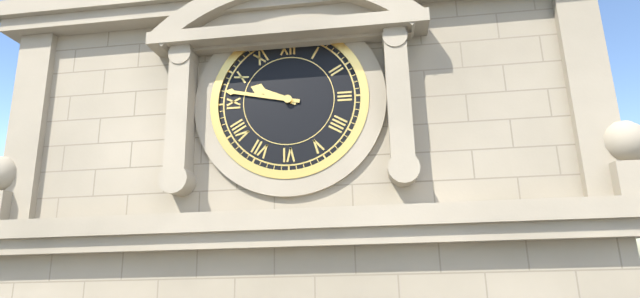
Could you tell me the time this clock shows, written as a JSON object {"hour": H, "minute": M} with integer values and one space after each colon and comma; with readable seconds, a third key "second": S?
{"hour": 9, "minute": 47}
